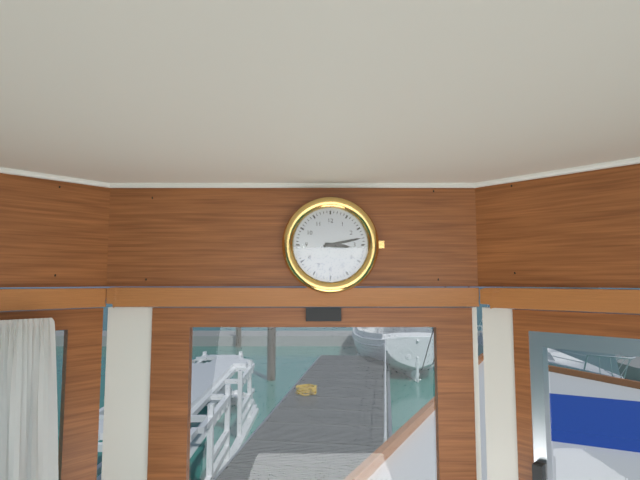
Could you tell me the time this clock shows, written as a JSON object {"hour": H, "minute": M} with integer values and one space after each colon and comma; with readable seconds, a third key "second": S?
{"hour": 3, "minute": 13}
